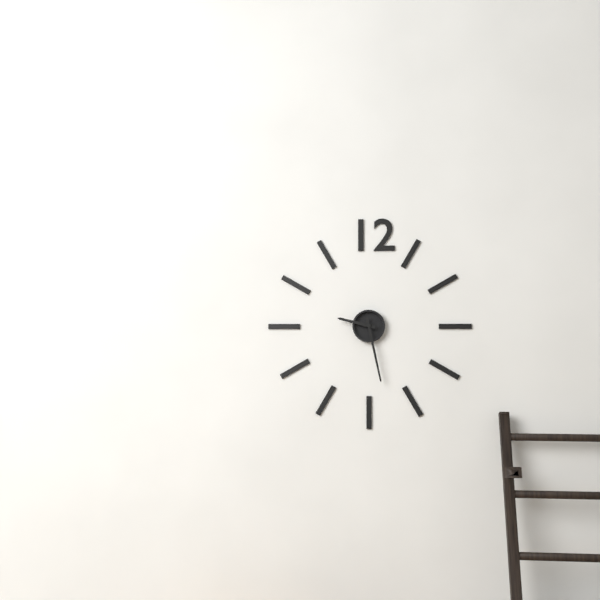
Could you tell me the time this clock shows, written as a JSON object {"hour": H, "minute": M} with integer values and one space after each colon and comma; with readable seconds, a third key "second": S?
{"hour": 9, "minute": 28}
